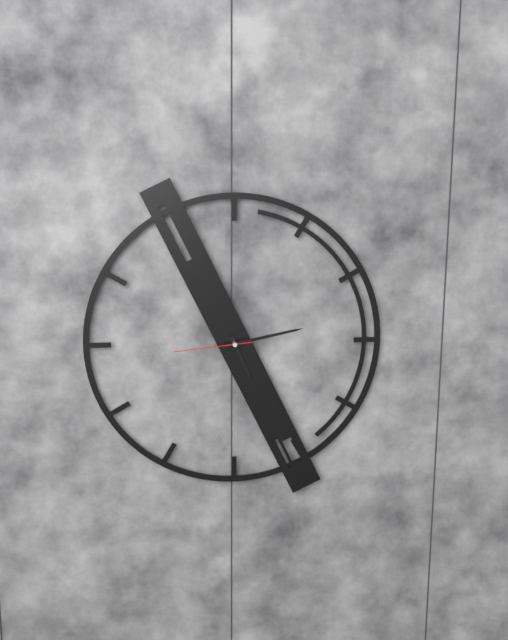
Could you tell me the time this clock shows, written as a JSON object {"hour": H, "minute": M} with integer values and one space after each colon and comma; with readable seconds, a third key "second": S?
{"hour": 5, "minute": 13, "second": 44}
